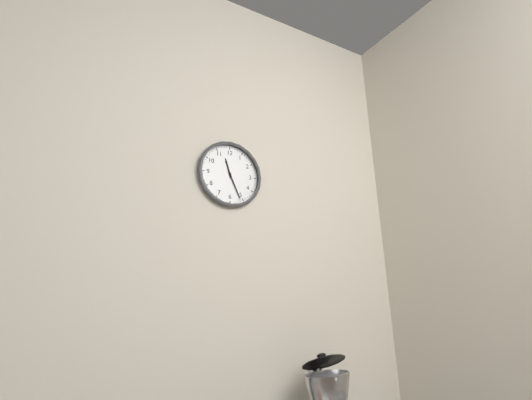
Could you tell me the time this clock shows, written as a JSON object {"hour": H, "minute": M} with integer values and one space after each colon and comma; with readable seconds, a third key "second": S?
{"hour": 11, "minute": 26}
